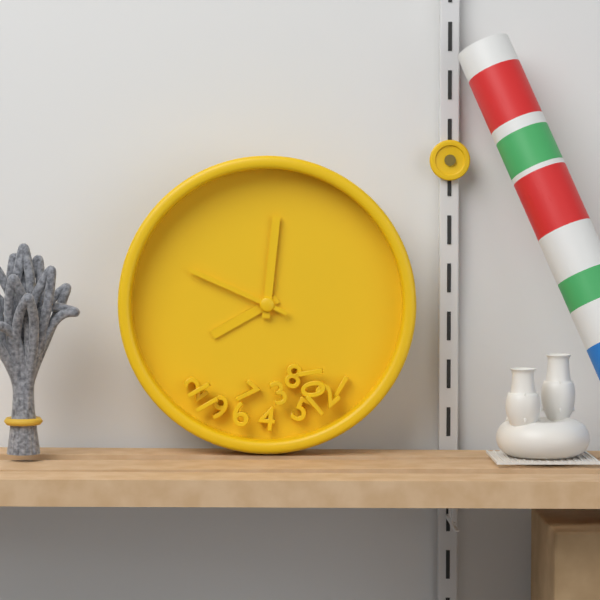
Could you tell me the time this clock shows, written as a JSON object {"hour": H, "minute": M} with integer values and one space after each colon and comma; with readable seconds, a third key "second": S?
{"hour": 8, "minute": 1, "second": 49}
